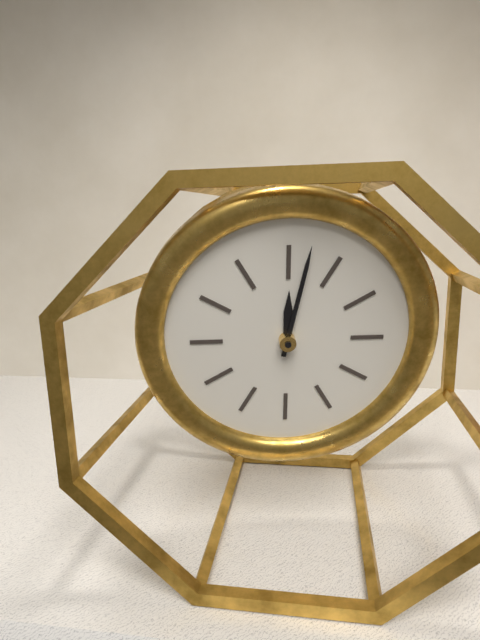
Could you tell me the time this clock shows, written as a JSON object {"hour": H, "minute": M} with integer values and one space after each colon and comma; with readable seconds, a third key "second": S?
{"hour": 12, "minute": 2}
